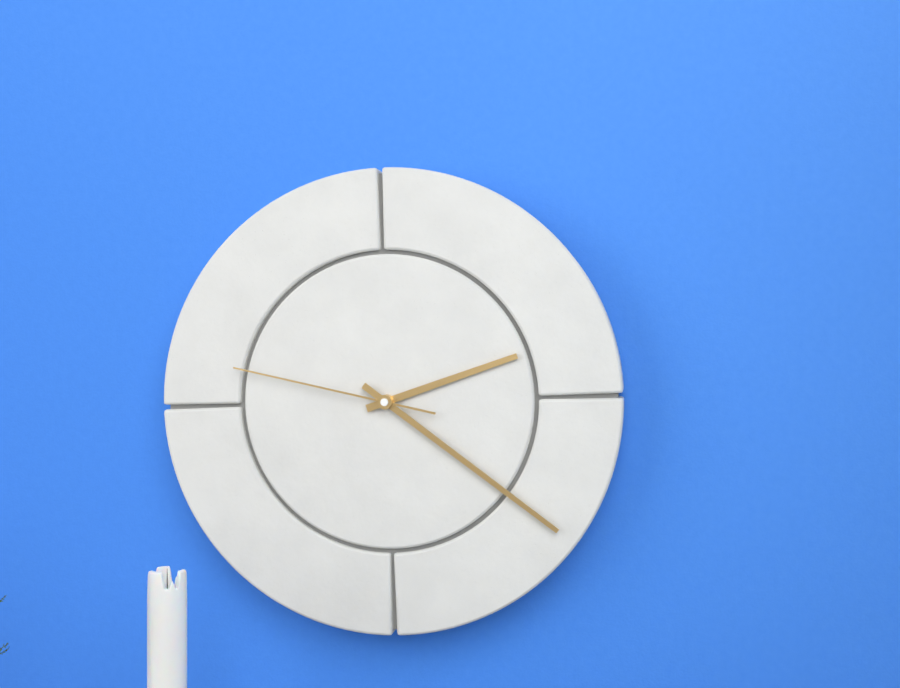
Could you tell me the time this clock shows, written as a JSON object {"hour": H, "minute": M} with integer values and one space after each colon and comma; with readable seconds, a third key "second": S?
{"hour": 2, "minute": 21, "second": 47}
